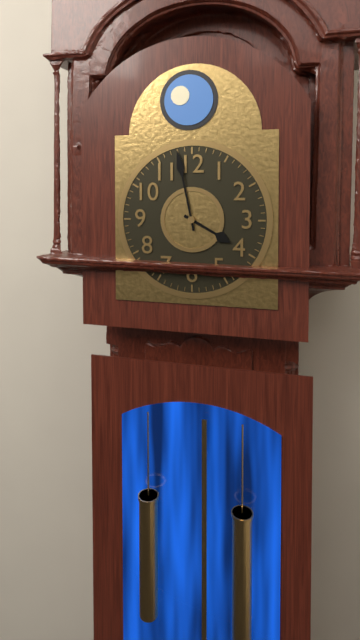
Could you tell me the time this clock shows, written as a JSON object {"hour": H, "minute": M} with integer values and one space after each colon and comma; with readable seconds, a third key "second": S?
{"hour": 3, "minute": 58}
